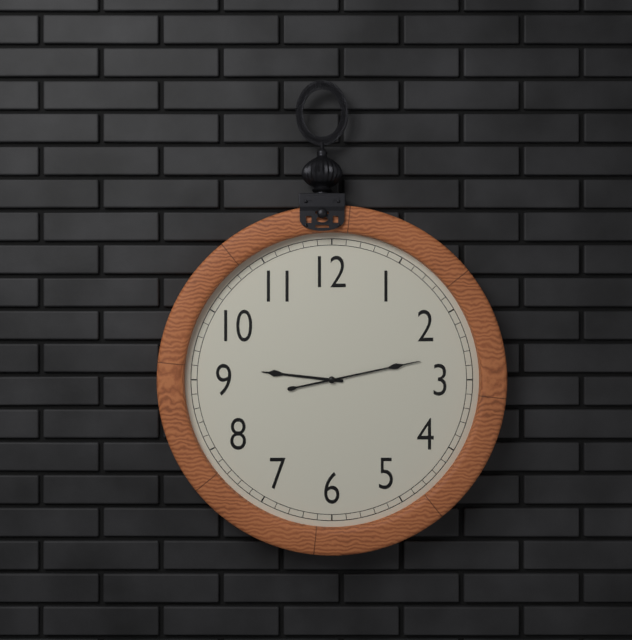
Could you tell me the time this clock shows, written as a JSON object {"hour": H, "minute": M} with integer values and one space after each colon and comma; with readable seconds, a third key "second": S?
{"hour": 9, "minute": 13}
